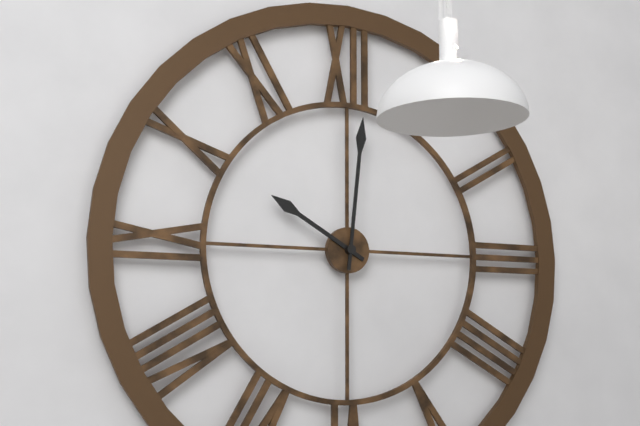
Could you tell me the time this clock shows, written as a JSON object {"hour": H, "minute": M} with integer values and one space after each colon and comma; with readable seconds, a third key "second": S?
{"hour": 10, "minute": 1}
